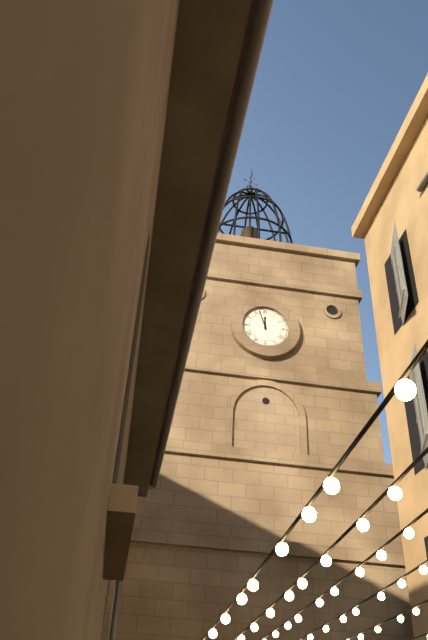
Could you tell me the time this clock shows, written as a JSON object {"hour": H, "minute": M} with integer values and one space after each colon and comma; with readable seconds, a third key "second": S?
{"hour": 11, "minute": 57}
